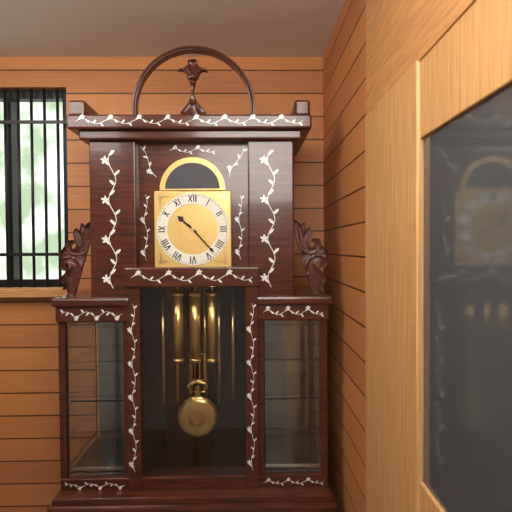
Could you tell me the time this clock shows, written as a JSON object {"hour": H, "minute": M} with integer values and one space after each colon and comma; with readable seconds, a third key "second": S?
{"hour": 10, "minute": 23}
